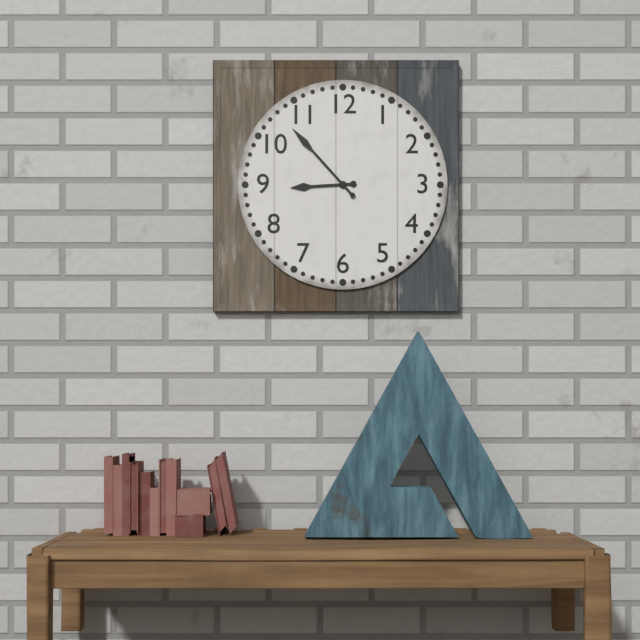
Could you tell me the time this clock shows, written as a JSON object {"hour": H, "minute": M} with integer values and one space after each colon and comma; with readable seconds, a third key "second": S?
{"hour": 8, "minute": 53}
